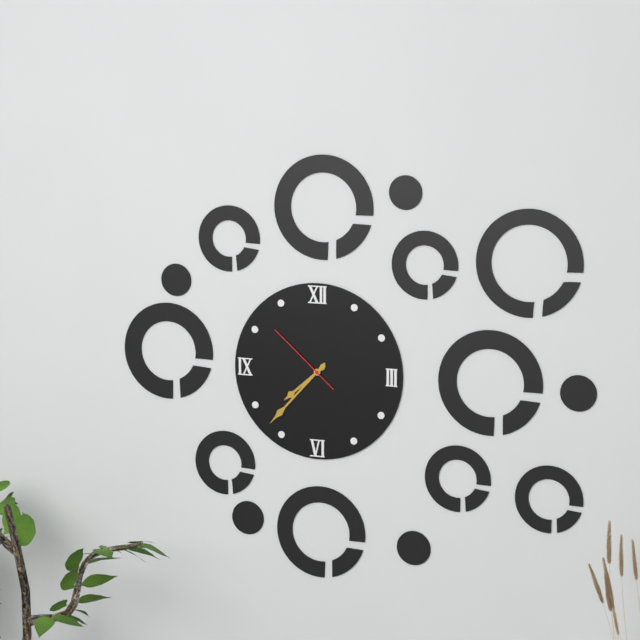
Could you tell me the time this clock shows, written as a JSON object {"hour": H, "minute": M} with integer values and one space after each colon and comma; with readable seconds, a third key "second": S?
{"hour": 7, "minute": 37, "second": 52}
